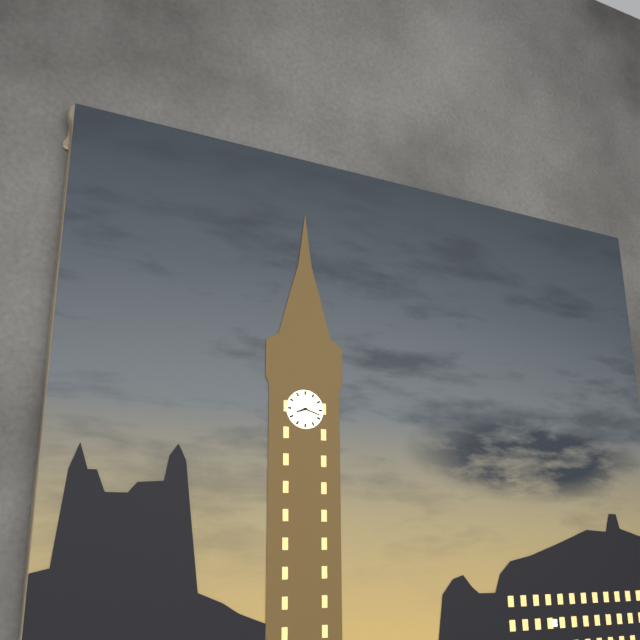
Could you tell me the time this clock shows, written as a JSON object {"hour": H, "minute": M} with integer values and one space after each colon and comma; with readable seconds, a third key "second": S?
{"hour": 8, "minute": 18}
